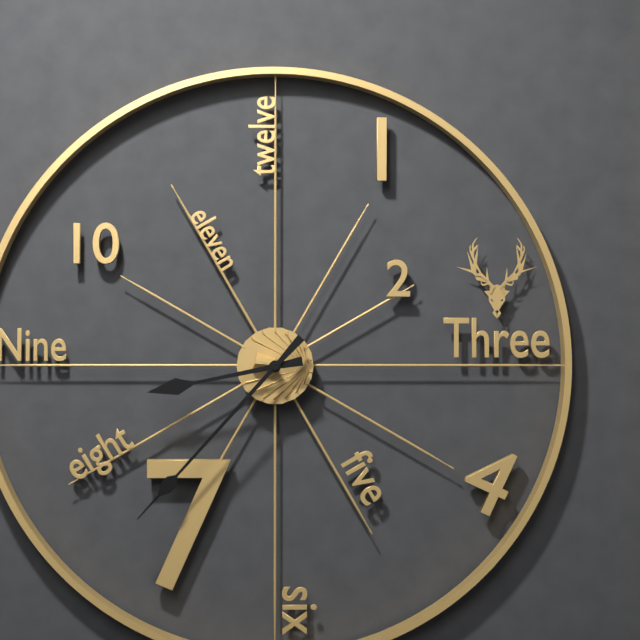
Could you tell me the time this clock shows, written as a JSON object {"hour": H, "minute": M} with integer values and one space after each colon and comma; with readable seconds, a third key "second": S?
{"hour": 8, "minute": 37}
